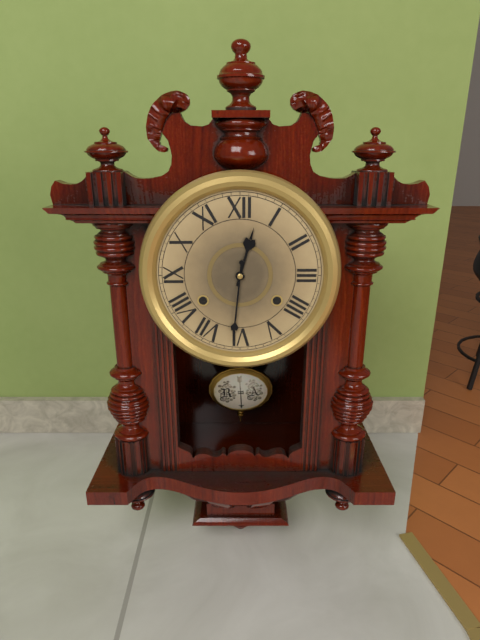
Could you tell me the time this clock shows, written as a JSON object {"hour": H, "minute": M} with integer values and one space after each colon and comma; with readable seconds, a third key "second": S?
{"hour": 12, "minute": 31}
